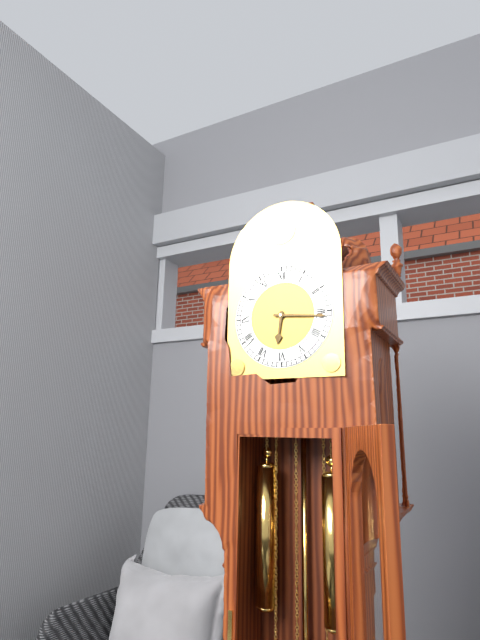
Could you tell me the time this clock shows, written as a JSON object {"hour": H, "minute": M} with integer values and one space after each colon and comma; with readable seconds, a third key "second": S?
{"hour": 6, "minute": 16}
